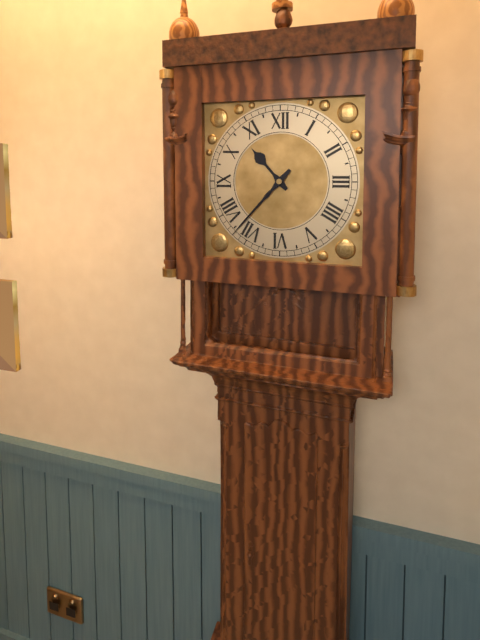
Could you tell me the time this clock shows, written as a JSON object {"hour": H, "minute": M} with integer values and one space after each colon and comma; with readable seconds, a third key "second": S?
{"hour": 10, "minute": 37}
